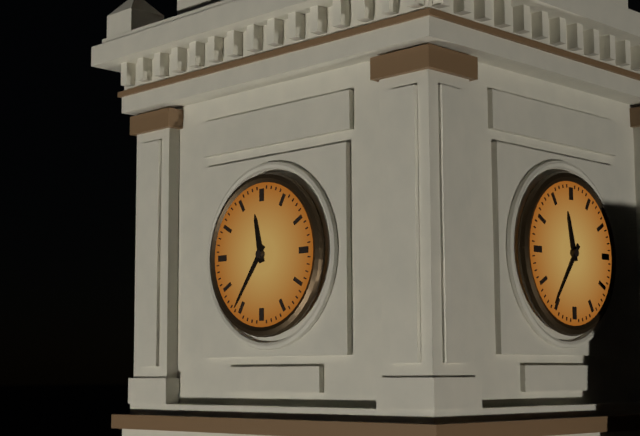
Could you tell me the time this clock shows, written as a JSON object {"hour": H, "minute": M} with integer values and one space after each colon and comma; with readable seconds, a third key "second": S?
{"hour": 11, "minute": 36}
